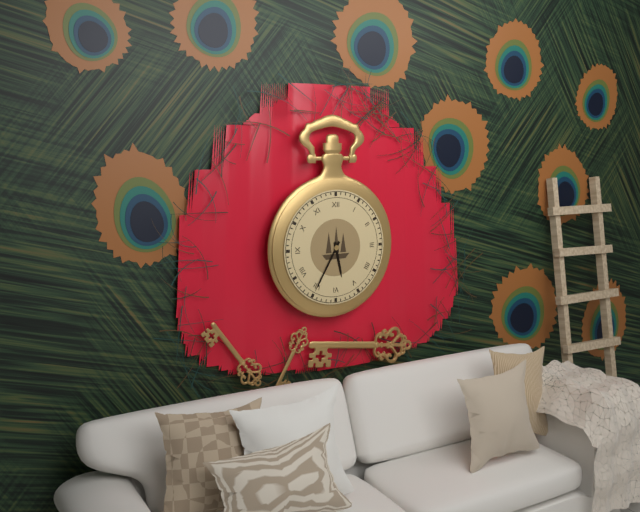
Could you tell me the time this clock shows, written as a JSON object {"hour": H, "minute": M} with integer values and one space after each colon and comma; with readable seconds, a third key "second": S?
{"hour": 5, "minute": 35}
